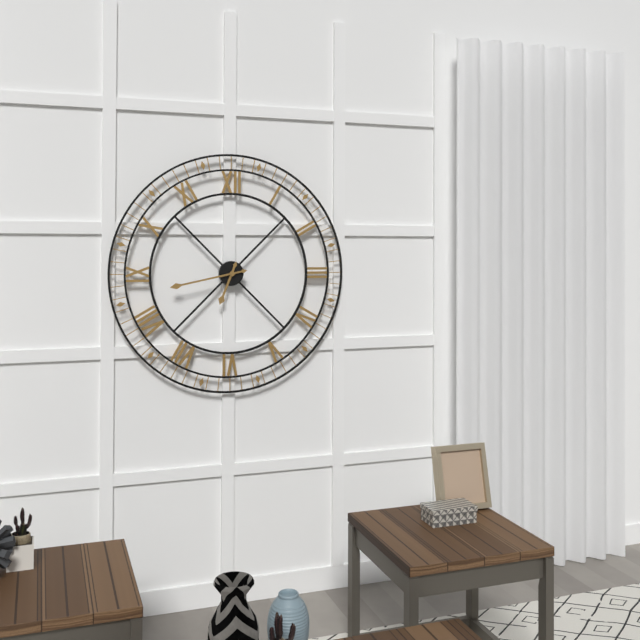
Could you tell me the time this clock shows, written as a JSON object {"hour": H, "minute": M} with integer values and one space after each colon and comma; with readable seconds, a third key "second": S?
{"hour": 6, "minute": 43}
